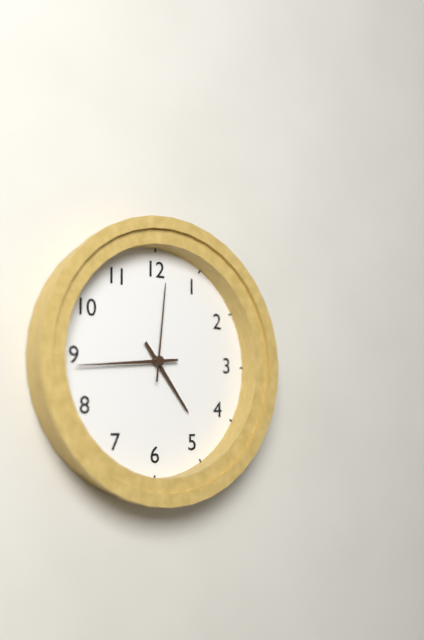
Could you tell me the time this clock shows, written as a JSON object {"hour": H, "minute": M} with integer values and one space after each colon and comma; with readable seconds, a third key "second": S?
{"hour": 4, "minute": 44, "second": 1}
